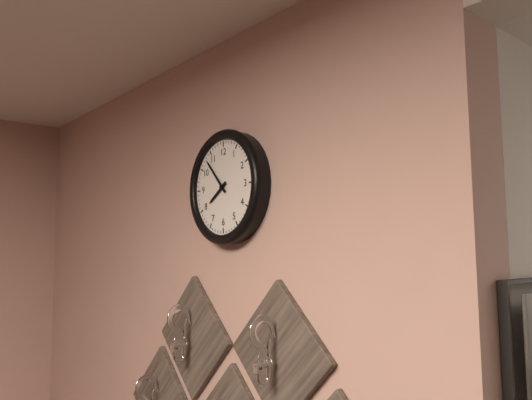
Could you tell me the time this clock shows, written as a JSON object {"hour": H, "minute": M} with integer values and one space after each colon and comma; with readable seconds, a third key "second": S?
{"hour": 7, "minute": 53}
